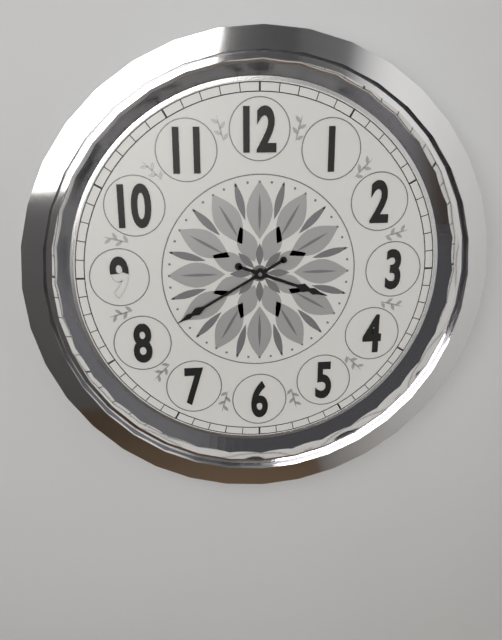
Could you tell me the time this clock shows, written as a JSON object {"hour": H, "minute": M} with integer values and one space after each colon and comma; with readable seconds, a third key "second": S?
{"hour": 3, "minute": 40}
